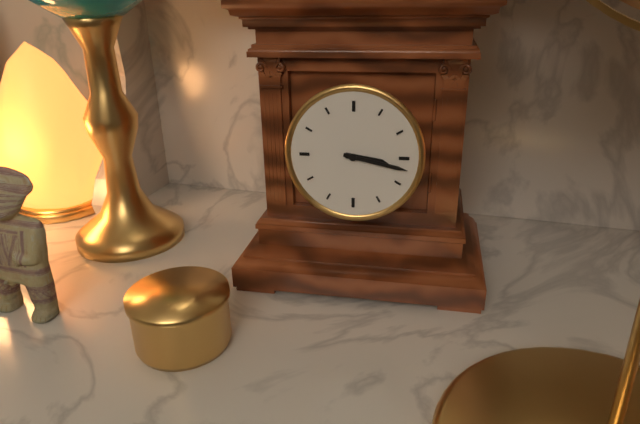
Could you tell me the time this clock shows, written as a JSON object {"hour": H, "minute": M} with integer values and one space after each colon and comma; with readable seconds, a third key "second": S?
{"hour": 3, "minute": 17}
